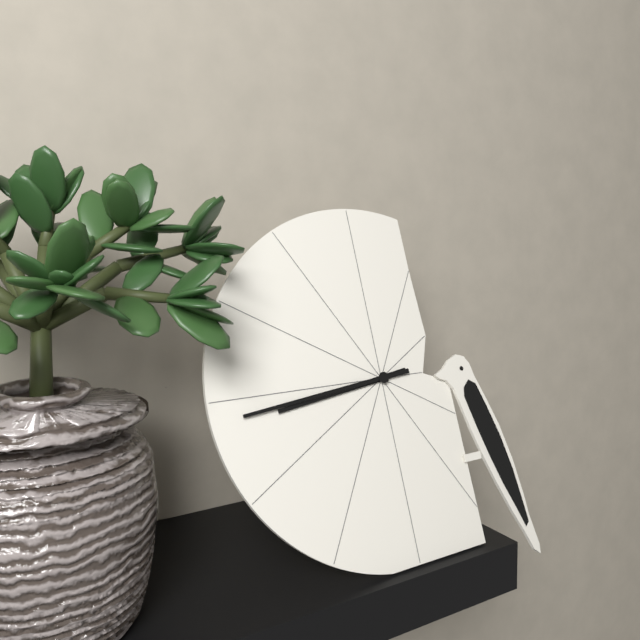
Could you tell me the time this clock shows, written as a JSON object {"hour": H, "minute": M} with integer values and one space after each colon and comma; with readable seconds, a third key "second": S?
{"hour": 8, "minute": 44}
